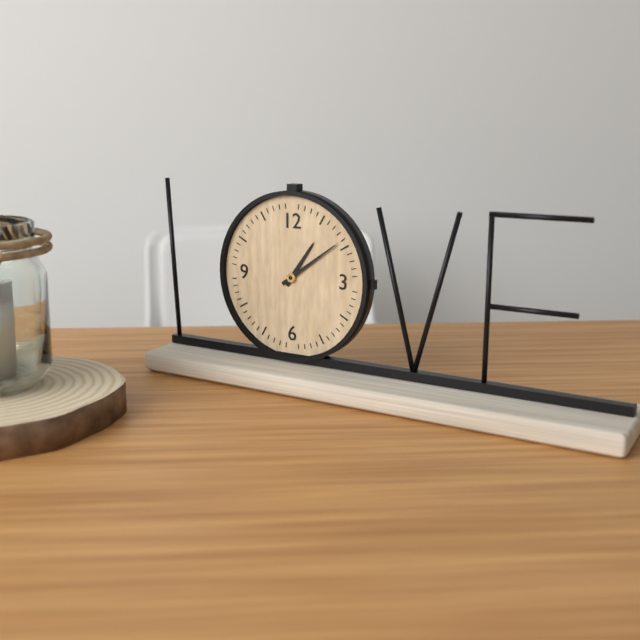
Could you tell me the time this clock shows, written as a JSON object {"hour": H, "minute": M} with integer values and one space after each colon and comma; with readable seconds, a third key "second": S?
{"hour": 1, "minute": 9}
